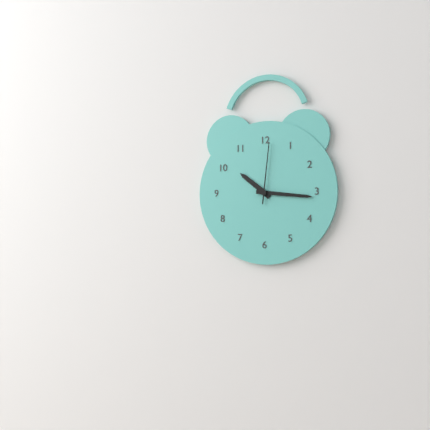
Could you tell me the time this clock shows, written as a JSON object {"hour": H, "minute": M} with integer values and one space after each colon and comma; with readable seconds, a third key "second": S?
{"hour": 10, "minute": 16, "second": 1}
